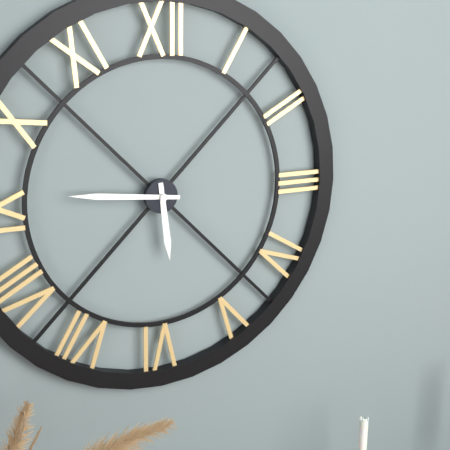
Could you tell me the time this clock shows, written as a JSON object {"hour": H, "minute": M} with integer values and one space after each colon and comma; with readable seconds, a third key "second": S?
{"hour": 5, "minute": 46}
